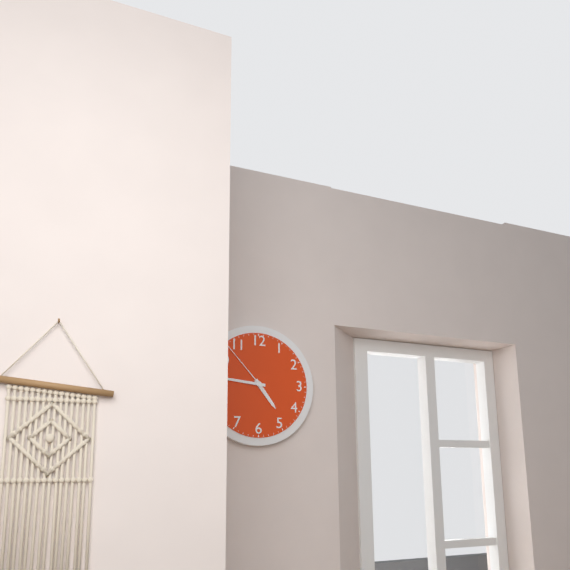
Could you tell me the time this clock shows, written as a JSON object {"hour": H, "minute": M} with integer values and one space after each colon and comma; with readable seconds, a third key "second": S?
{"hour": 4, "minute": 46, "second": 53}
